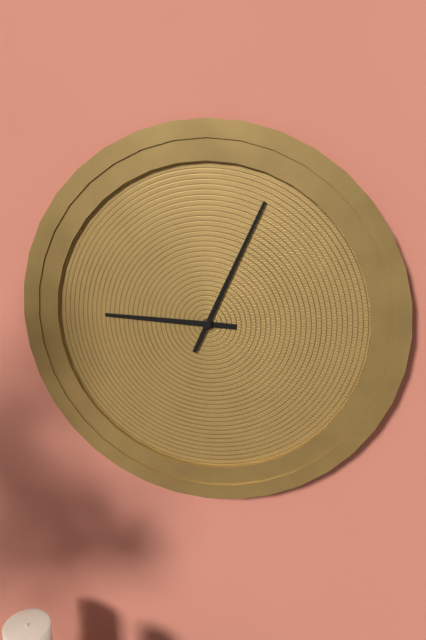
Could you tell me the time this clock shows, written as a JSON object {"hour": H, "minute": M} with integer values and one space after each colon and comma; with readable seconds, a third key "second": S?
{"hour": 9, "minute": 4}
